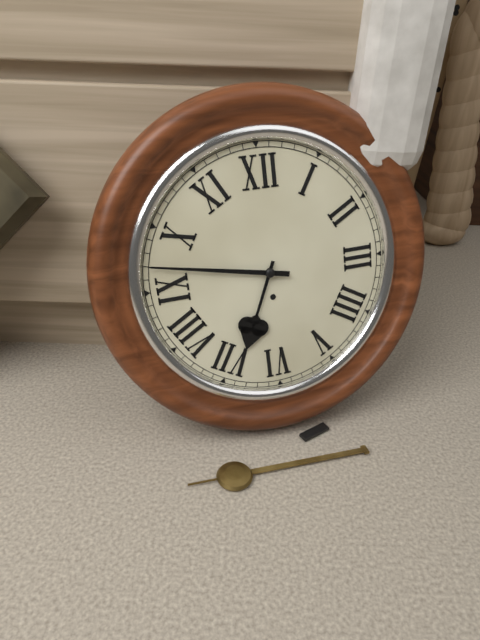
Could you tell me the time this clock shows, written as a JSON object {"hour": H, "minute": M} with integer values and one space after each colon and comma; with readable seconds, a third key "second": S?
{"hour": 6, "minute": 47}
